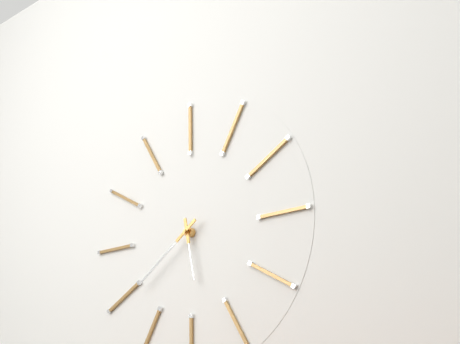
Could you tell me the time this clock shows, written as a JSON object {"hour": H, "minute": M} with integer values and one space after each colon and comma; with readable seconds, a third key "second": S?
{"hour": 5, "minute": 39}
